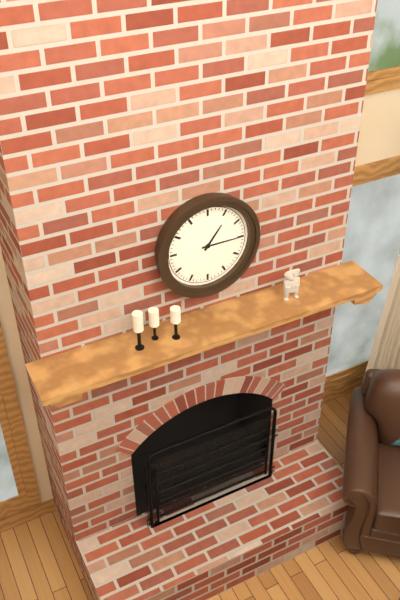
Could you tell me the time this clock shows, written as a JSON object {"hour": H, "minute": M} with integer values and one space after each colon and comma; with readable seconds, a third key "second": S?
{"hour": 1, "minute": 15}
